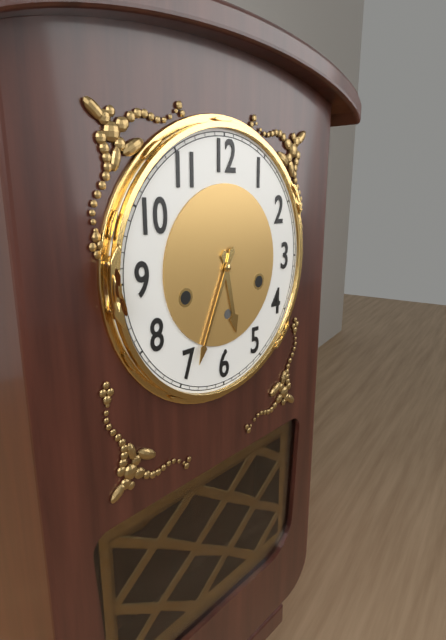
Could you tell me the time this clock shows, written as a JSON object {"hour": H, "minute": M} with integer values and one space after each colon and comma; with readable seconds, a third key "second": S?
{"hour": 5, "minute": 34}
